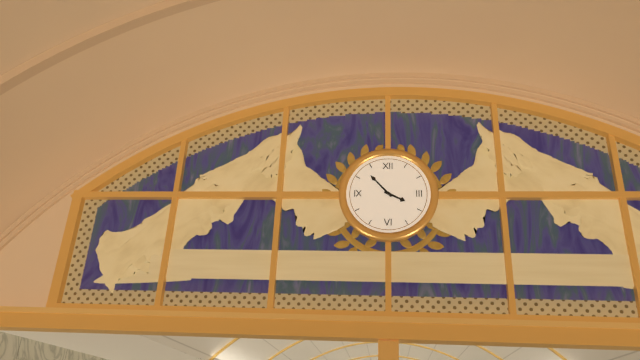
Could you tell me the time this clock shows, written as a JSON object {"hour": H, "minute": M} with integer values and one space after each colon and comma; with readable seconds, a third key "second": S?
{"hour": 3, "minute": 53}
